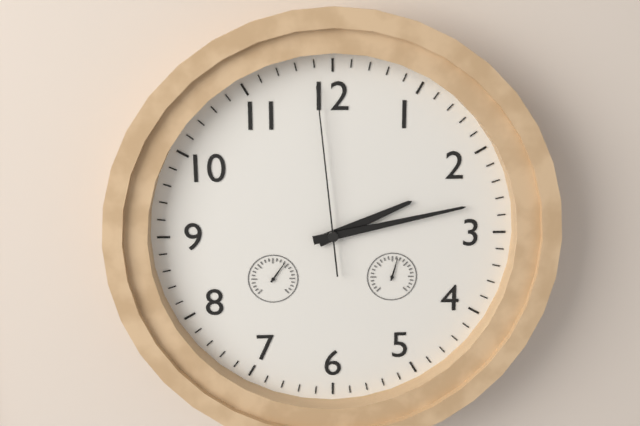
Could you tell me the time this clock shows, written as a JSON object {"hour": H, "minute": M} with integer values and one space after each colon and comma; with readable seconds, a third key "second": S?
{"hour": 2, "minute": 13, "second": 59}
